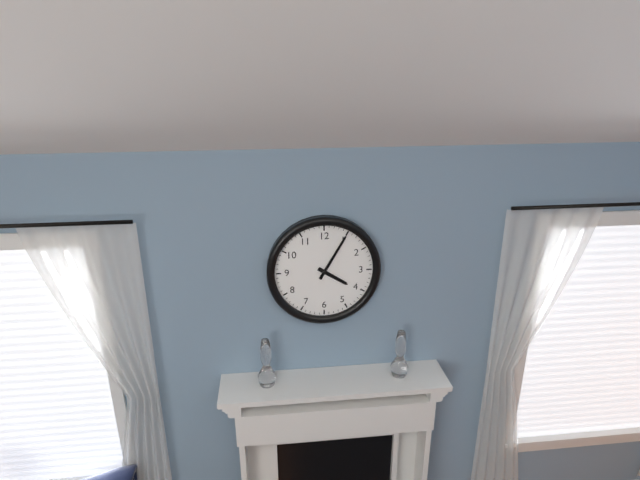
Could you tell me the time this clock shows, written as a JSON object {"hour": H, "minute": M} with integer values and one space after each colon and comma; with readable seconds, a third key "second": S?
{"hour": 4, "minute": 5}
